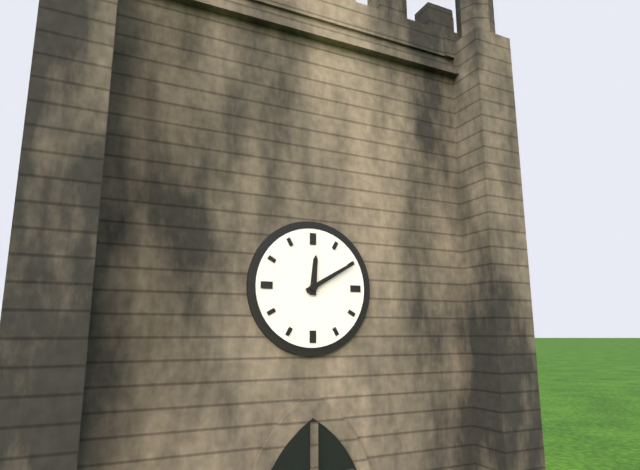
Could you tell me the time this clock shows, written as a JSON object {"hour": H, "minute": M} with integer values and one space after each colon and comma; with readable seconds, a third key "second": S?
{"hour": 12, "minute": 10}
